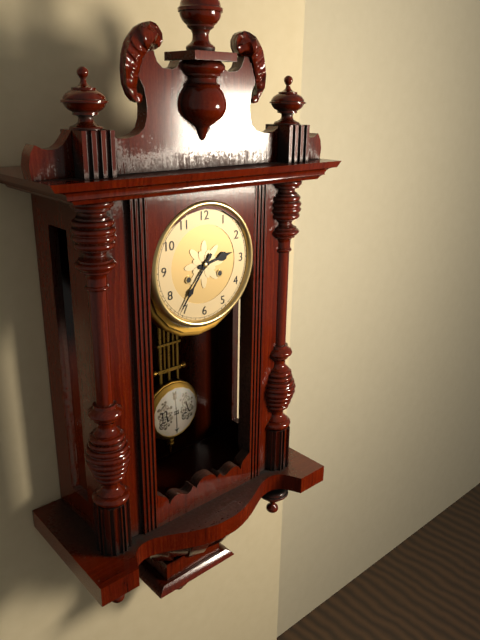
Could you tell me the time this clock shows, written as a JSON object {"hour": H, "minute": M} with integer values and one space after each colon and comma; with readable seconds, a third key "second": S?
{"hour": 2, "minute": 36}
